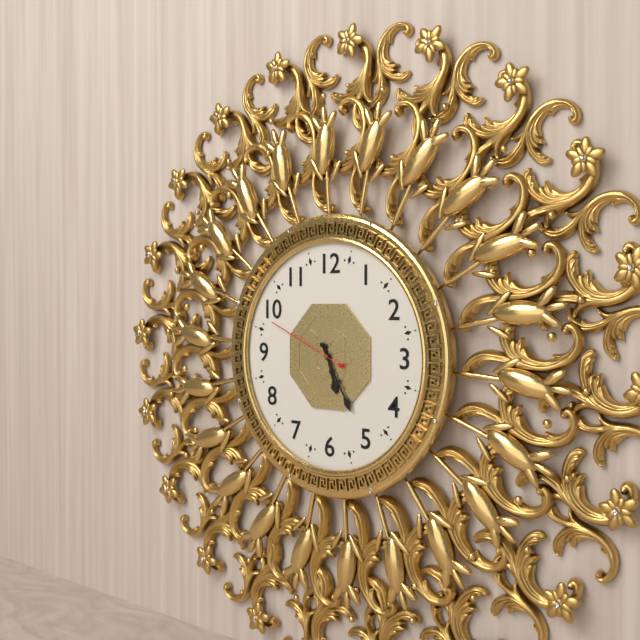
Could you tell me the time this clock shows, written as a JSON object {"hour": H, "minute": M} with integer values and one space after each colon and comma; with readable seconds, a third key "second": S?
{"hour": 5, "minute": 25, "second": 49}
